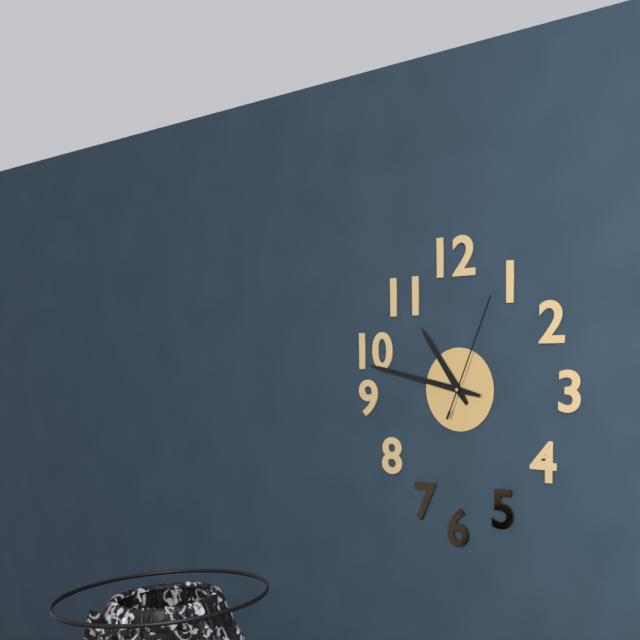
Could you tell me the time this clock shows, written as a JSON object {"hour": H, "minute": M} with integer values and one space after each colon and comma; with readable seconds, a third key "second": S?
{"hour": 10, "minute": 47, "second": 4}
